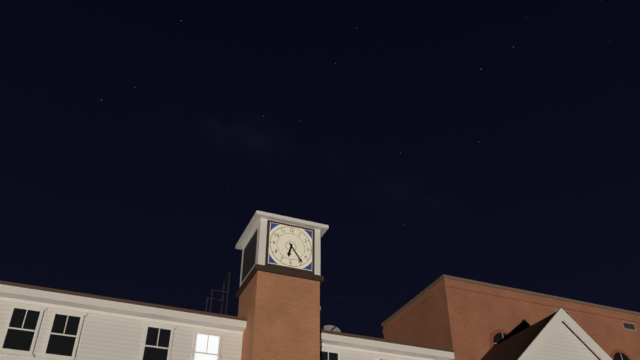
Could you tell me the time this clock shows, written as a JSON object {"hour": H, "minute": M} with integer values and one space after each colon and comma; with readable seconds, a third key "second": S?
{"hour": 6, "minute": 24}
